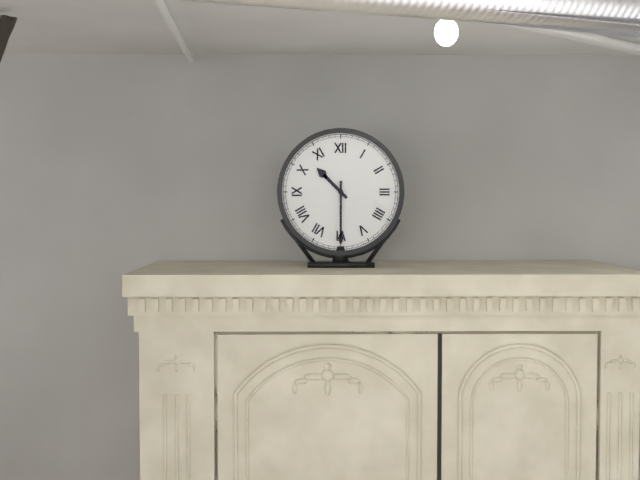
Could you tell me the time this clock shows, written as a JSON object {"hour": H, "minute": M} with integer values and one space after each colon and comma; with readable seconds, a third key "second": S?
{"hour": 10, "minute": 30}
